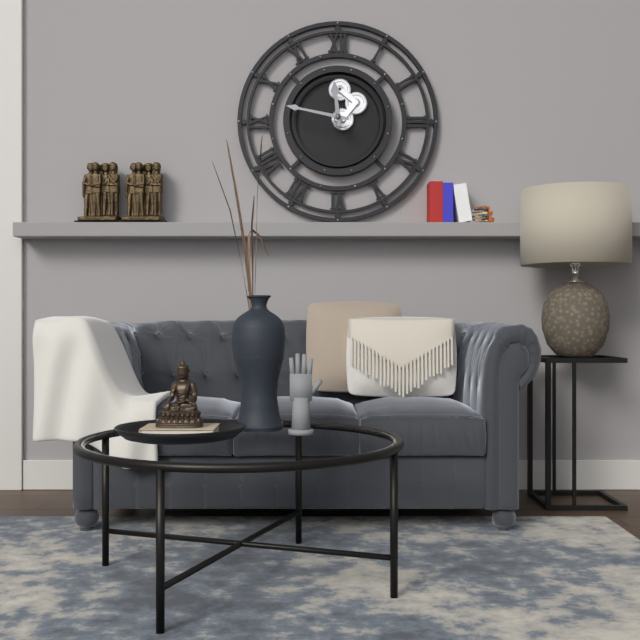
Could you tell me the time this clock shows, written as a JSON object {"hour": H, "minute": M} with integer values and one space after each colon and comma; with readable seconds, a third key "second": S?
{"hour": 11, "minute": 47}
